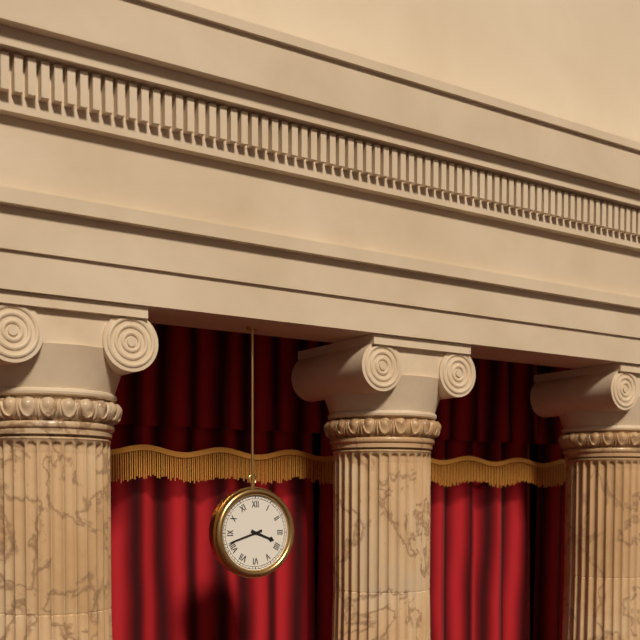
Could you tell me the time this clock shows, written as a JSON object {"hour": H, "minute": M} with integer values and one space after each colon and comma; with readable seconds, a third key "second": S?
{"hour": 3, "minute": 42}
